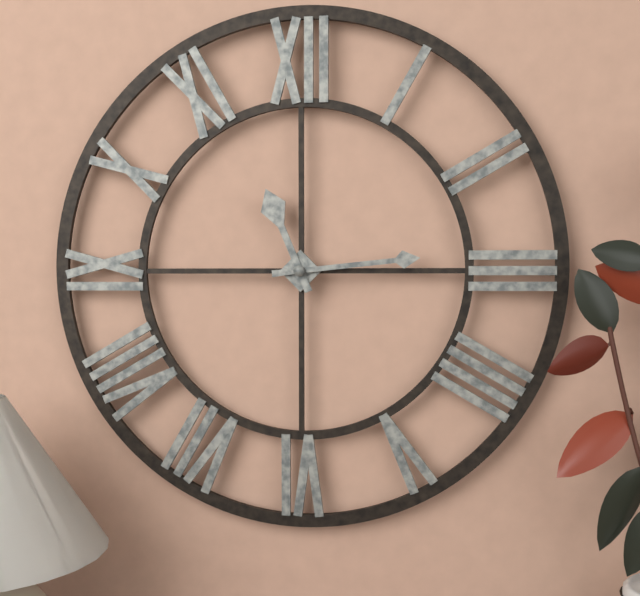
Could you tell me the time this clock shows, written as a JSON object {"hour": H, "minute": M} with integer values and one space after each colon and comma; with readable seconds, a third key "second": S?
{"hour": 11, "minute": 14}
